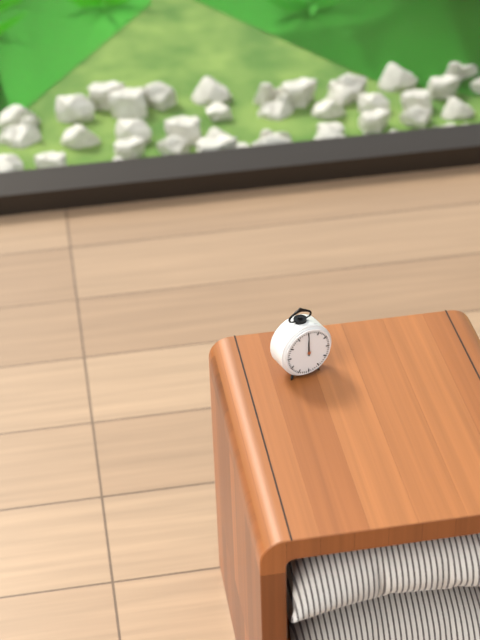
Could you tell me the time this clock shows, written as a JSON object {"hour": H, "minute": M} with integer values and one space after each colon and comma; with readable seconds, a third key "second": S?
{"hour": 12, "minute": 0}
